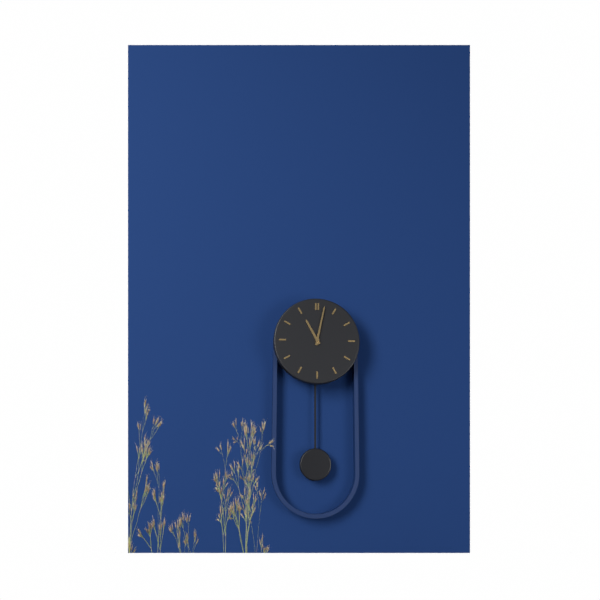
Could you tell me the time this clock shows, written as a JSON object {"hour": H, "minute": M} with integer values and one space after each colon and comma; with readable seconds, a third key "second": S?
{"hour": 11, "minute": 2}
